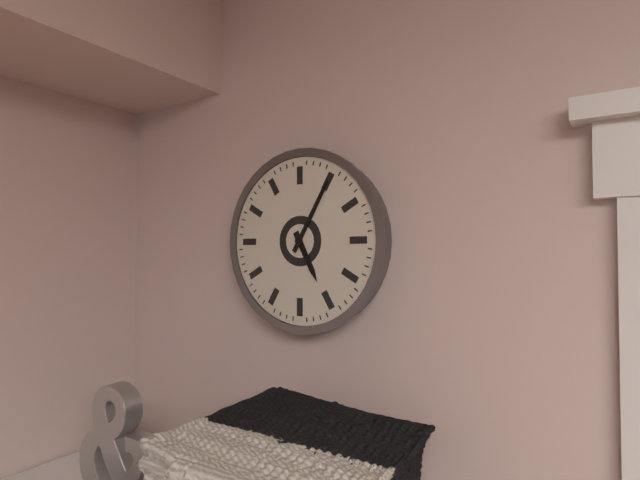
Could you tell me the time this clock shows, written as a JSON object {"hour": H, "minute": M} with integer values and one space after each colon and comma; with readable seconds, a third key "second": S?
{"hour": 5, "minute": 5}
